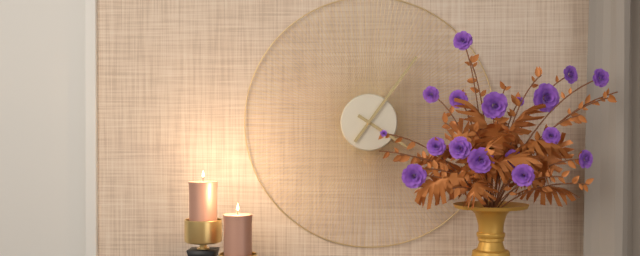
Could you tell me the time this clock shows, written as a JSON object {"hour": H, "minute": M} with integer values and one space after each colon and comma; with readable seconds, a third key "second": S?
{"hour": 4, "minute": 6}
